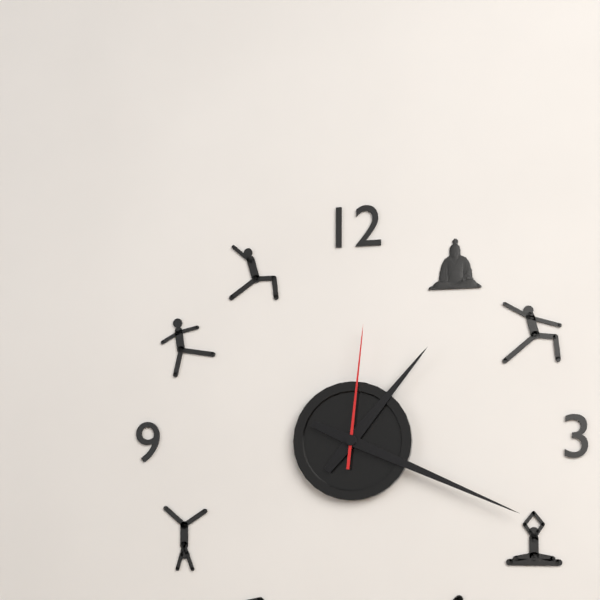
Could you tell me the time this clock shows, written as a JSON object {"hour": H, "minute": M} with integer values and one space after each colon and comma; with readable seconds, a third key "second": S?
{"hour": 1, "minute": 19, "second": 1}
